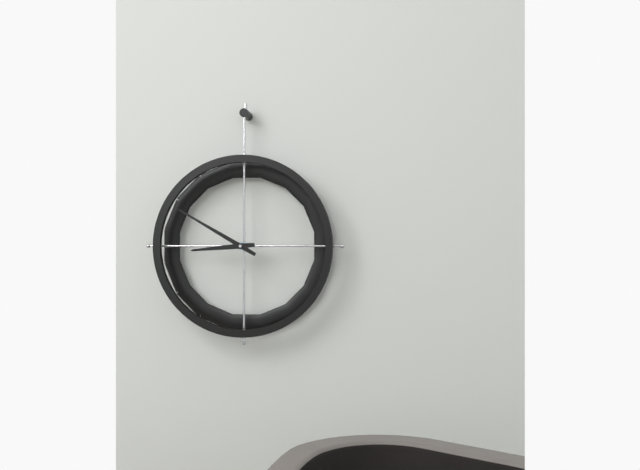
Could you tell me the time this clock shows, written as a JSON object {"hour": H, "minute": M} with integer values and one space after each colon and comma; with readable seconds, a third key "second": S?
{"hour": 8, "minute": 50}
